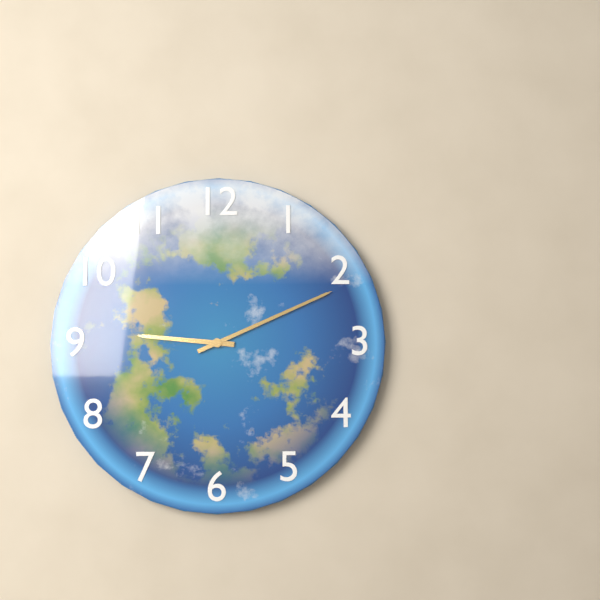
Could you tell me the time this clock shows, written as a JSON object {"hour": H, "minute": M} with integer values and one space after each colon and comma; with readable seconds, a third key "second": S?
{"hour": 9, "minute": 11}
